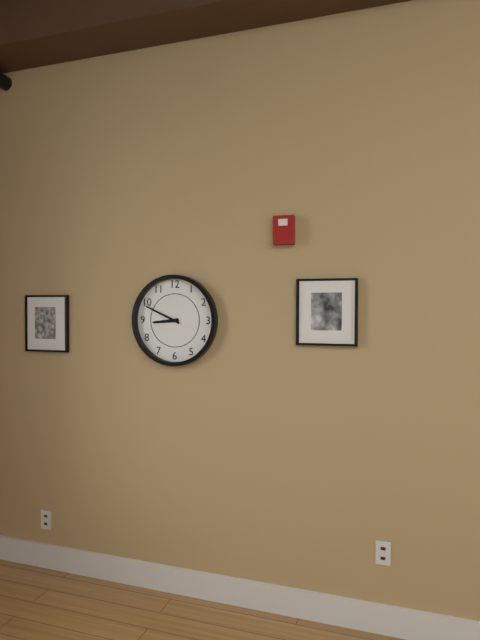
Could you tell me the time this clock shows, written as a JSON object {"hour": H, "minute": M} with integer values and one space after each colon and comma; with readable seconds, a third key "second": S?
{"hour": 8, "minute": 49}
